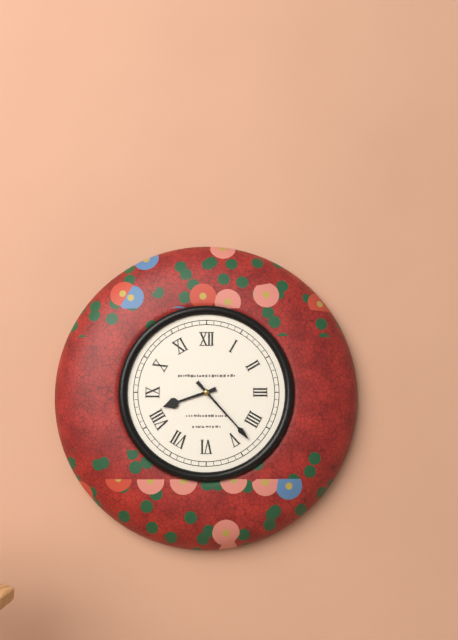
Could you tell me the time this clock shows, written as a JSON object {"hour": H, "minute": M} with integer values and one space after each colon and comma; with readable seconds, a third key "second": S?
{"hour": 8, "minute": 23}
